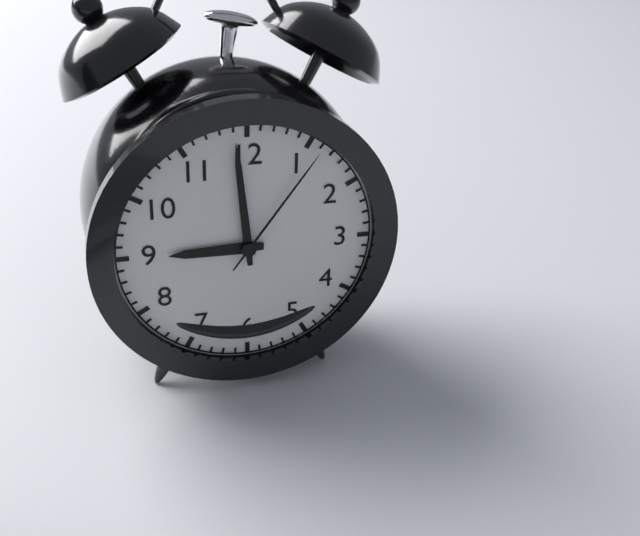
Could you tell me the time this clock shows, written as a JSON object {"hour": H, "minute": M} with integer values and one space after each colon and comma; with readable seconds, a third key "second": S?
{"hour": 8, "minute": 59, "second": 6}
